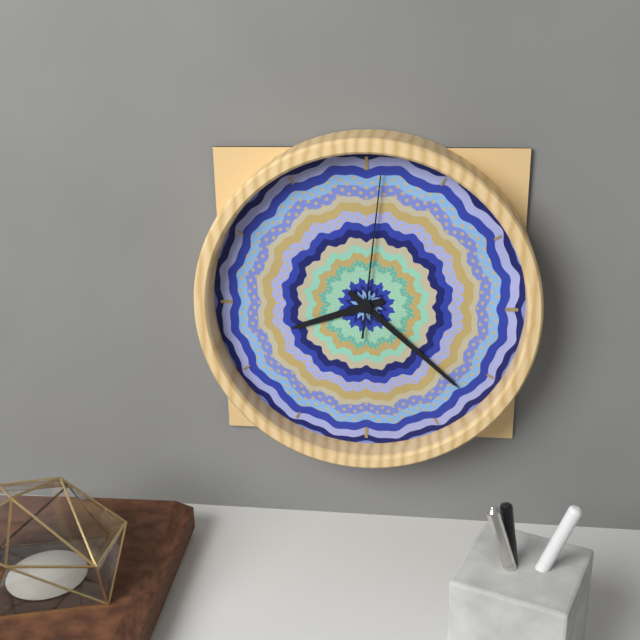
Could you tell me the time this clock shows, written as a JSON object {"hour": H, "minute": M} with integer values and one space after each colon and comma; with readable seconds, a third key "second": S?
{"hour": 8, "minute": 22, "second": 1}
